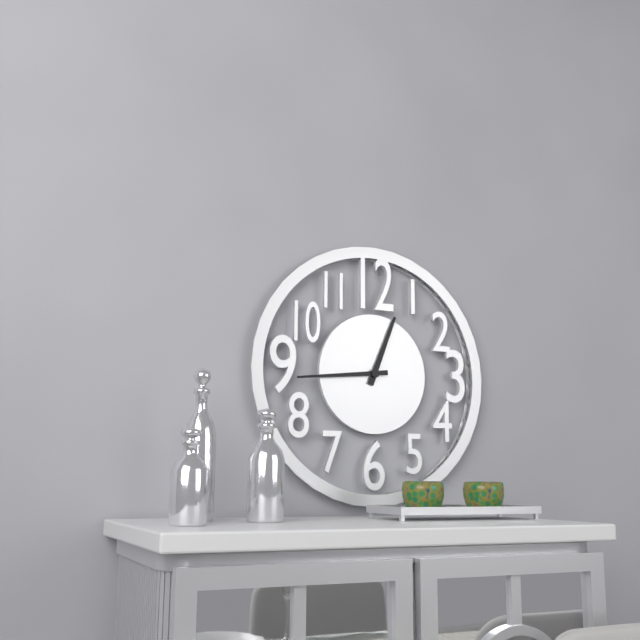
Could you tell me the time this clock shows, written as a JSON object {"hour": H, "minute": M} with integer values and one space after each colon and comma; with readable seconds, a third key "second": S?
{"hour": 12, "minute": 44}
